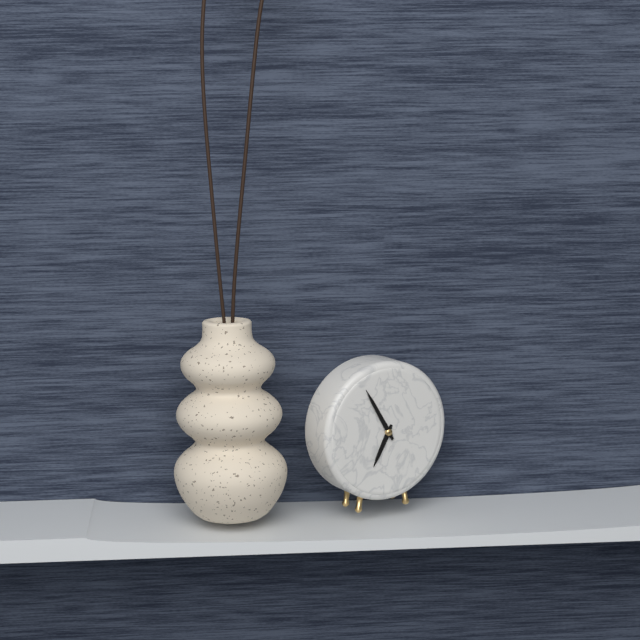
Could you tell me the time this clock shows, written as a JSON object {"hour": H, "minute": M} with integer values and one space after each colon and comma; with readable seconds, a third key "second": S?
{"hour": 6, "minute": 55}
